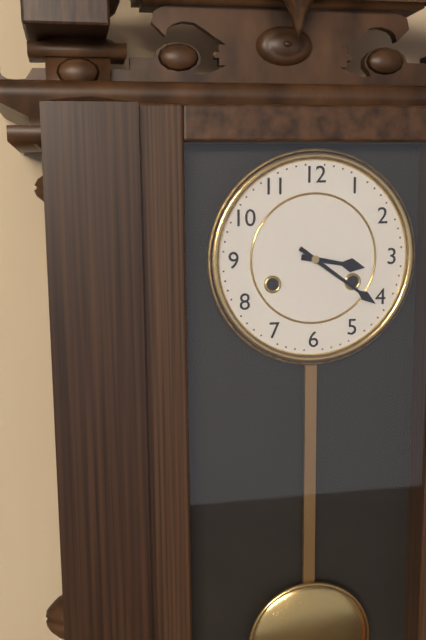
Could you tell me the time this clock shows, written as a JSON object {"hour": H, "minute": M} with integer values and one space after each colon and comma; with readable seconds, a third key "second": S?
{"hour": 3, "minute": 21}
